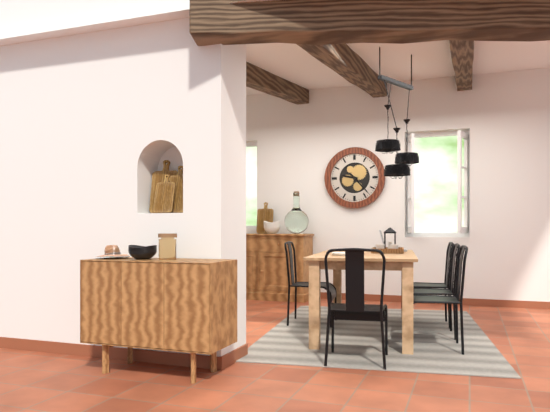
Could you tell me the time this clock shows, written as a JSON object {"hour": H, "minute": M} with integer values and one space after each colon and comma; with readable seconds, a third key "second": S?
{"hour": 9, "minute": 23}
